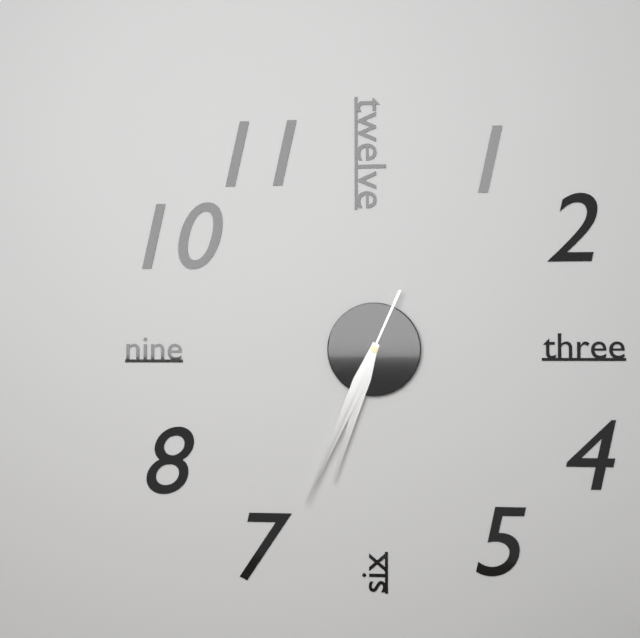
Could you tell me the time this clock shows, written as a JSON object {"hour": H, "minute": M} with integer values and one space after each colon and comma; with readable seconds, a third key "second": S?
{"hour": 6, "minute": 34, "second": 34}
